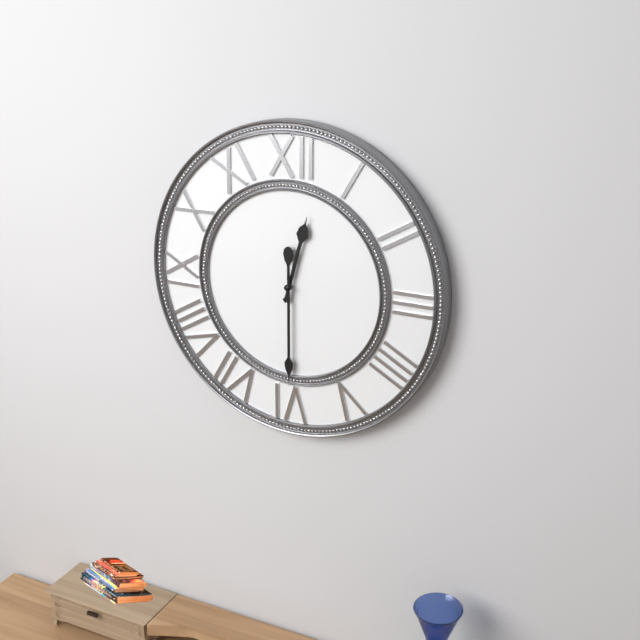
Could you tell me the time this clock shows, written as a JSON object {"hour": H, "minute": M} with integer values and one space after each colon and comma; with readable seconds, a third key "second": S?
{"hour": 12, "minute": 30}
